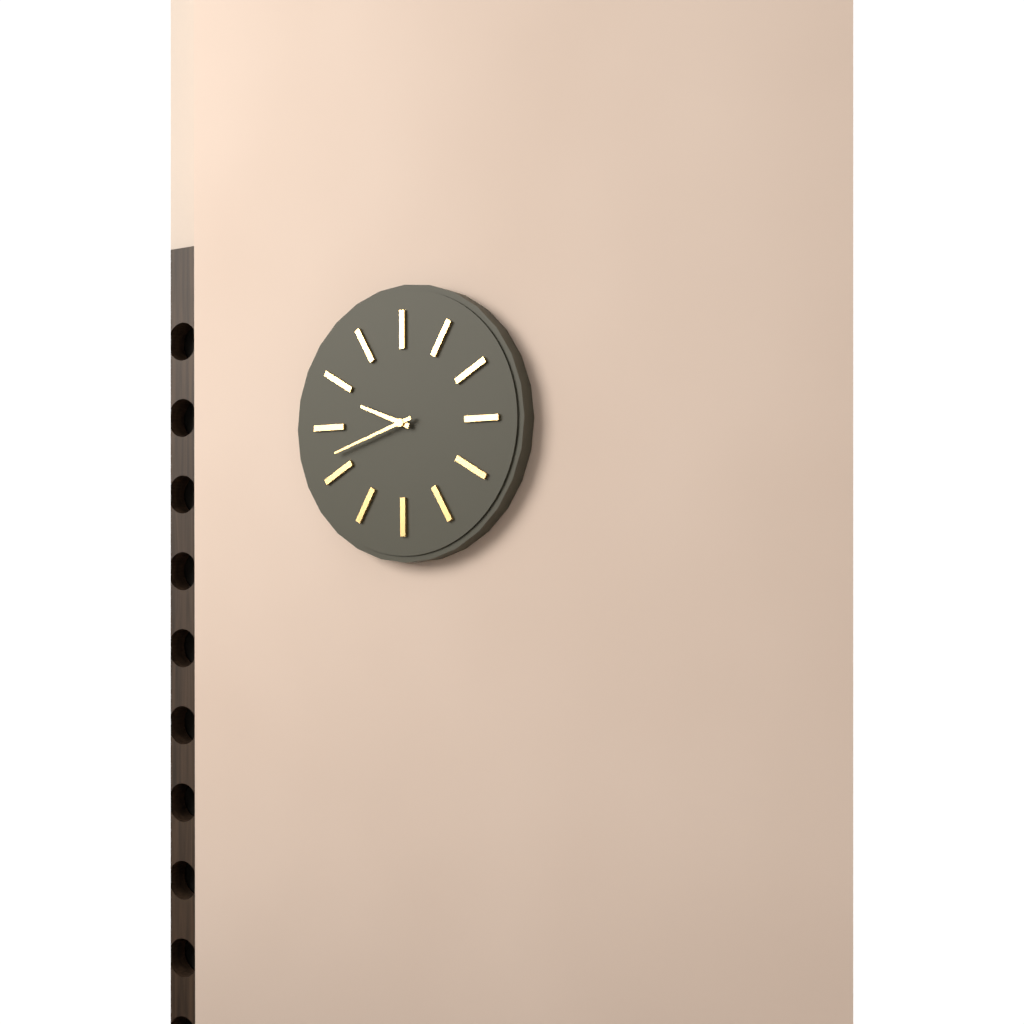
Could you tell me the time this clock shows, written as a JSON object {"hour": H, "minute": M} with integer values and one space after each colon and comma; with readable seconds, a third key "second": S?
{"hour": 9, "minute": 42}
